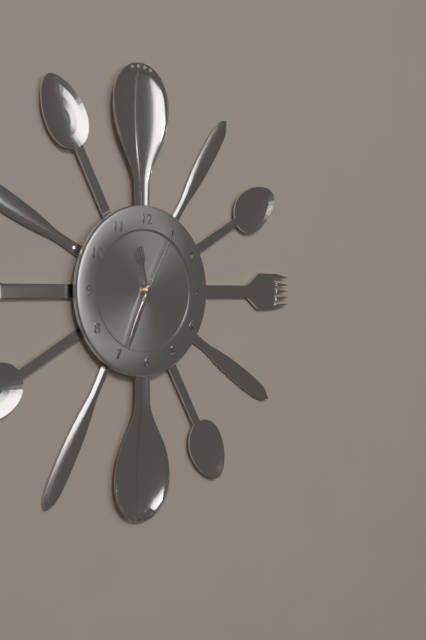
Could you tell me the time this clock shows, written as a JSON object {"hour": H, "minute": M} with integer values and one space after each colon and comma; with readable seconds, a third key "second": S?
{"hour": 11, "minute": 34, "second": 5}
